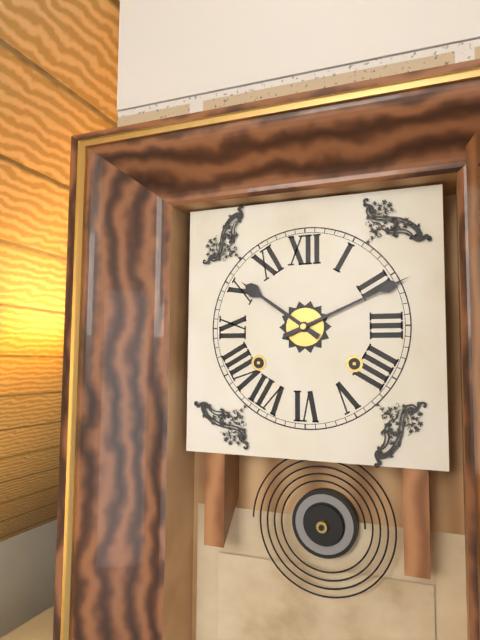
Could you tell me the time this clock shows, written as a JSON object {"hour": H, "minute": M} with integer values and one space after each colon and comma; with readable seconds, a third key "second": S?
{"hour": 10, "minute": 11}
